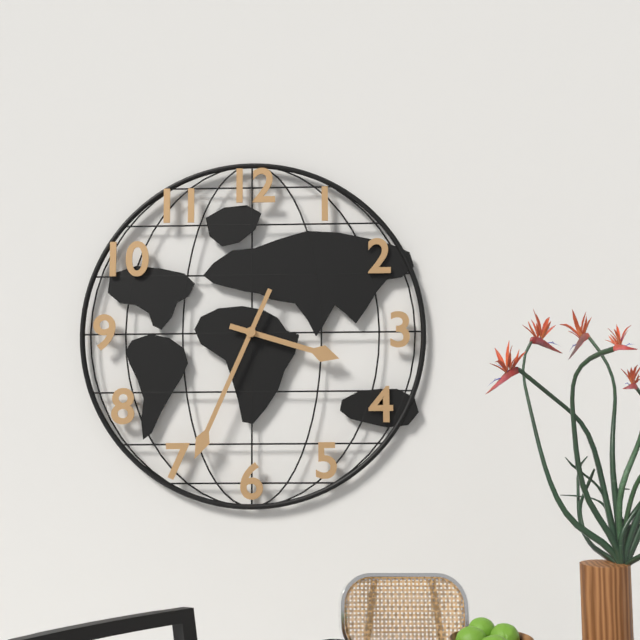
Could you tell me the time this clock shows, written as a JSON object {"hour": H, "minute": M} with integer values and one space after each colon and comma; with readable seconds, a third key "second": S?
{"hour": 3, "minute": 34}
